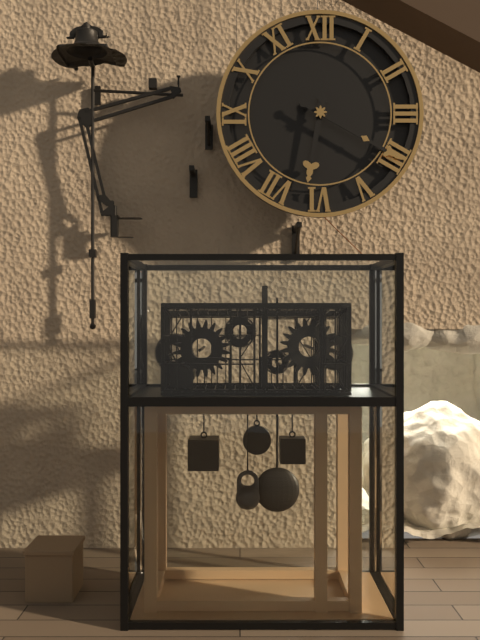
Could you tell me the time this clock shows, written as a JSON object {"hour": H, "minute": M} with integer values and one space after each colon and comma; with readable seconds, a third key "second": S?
{"hour": 6, "minute": 20}
